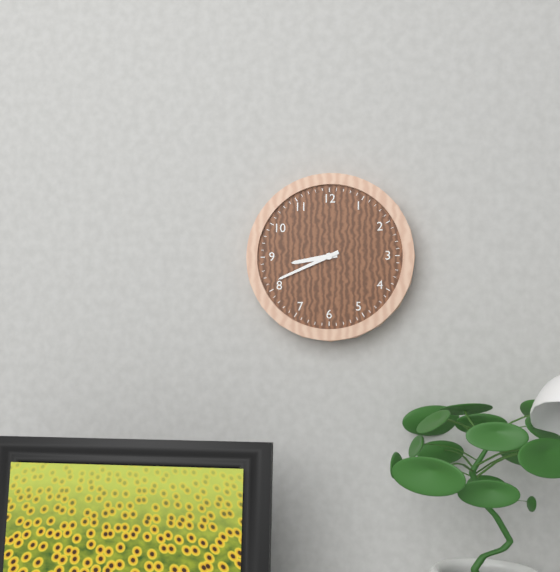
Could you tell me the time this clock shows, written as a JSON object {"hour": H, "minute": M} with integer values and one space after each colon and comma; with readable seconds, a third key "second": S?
{"hour": 8, "minute": 41}
